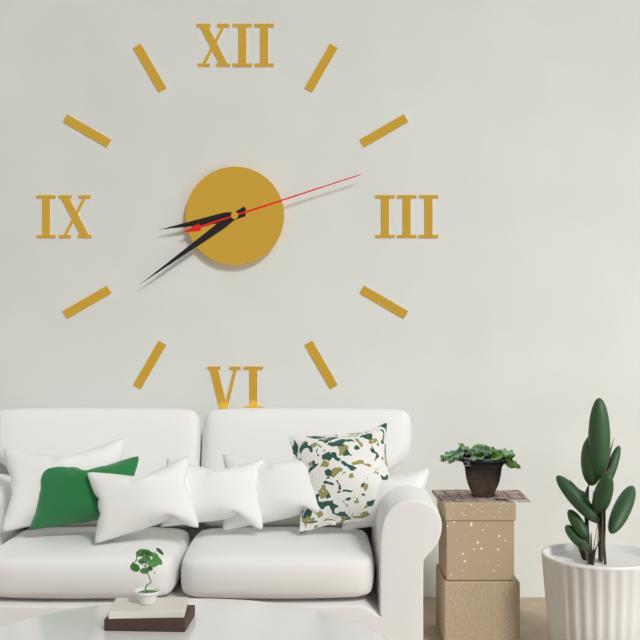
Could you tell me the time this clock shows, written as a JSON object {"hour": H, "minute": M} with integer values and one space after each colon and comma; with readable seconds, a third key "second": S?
{"hour": 8, "minute": 39, "second": 12}
